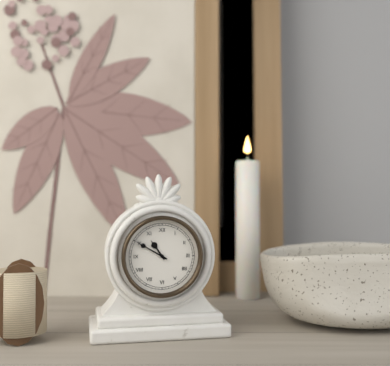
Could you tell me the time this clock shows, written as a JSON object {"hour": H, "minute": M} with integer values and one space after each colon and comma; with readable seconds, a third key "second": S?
{"hour": 10, "minute": 50}
